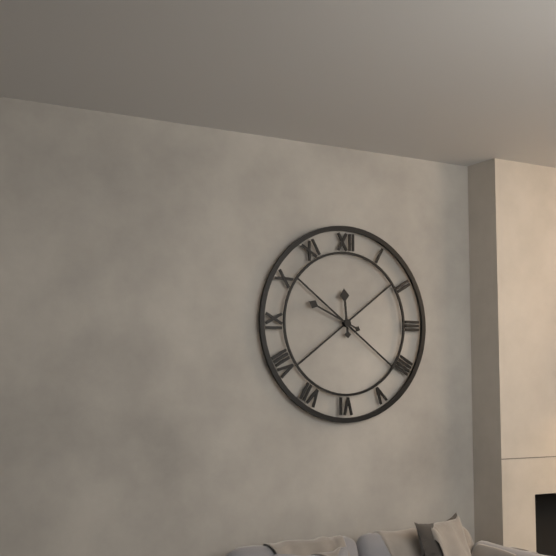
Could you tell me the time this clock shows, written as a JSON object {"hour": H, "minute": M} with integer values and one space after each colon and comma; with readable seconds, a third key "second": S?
{"hour": 11, "minute": 49}
